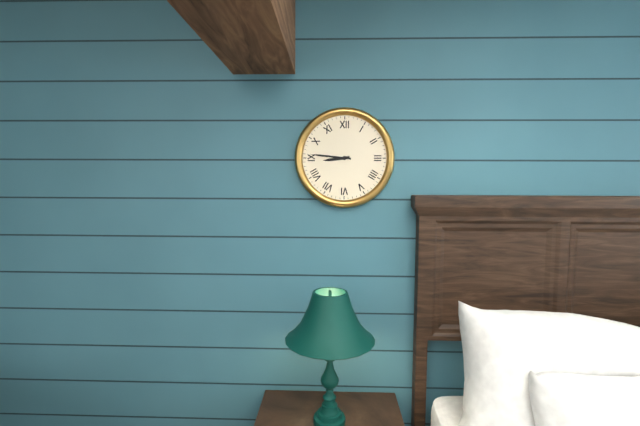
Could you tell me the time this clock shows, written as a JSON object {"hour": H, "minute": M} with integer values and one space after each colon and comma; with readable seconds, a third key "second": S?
{"hour": 8, "minute": 46}
